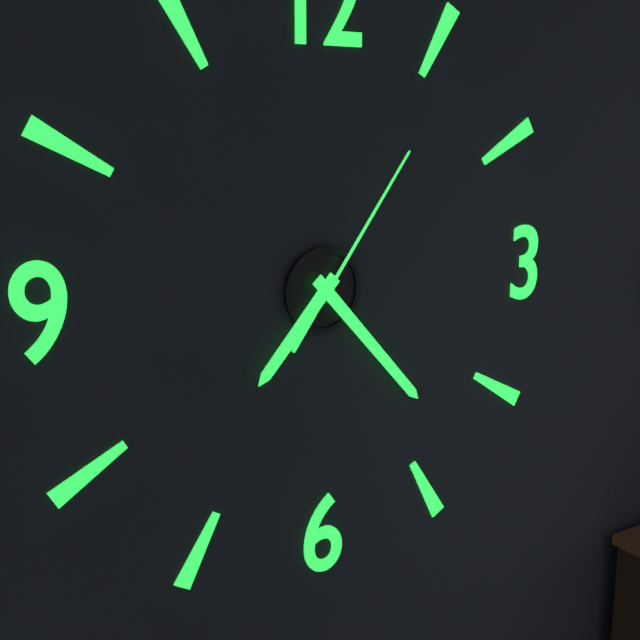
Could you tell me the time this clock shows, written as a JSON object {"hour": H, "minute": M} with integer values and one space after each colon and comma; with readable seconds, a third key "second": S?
{"hour": 7, "minute": 23, "second": 6}
